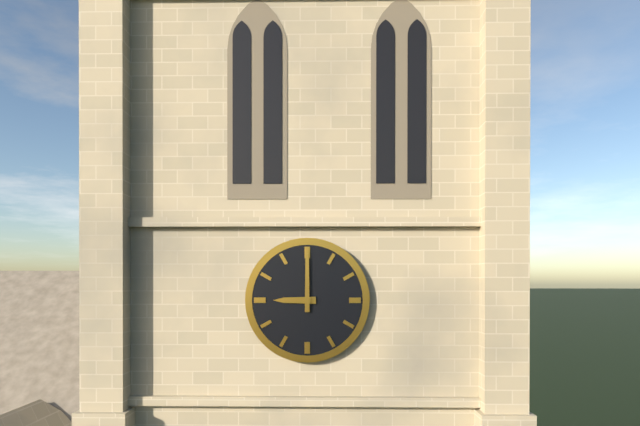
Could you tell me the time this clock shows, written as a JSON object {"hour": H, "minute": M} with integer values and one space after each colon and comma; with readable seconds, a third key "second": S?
{"hour": 9, "minute": 0}
